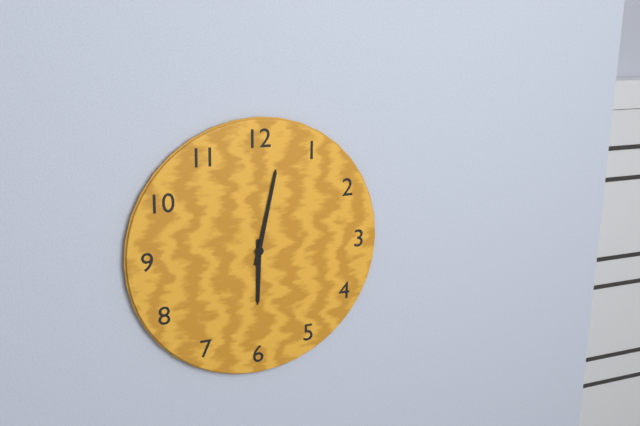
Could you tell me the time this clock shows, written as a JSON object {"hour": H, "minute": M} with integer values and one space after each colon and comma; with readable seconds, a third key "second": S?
{"hour": 6, "minute": 2}
